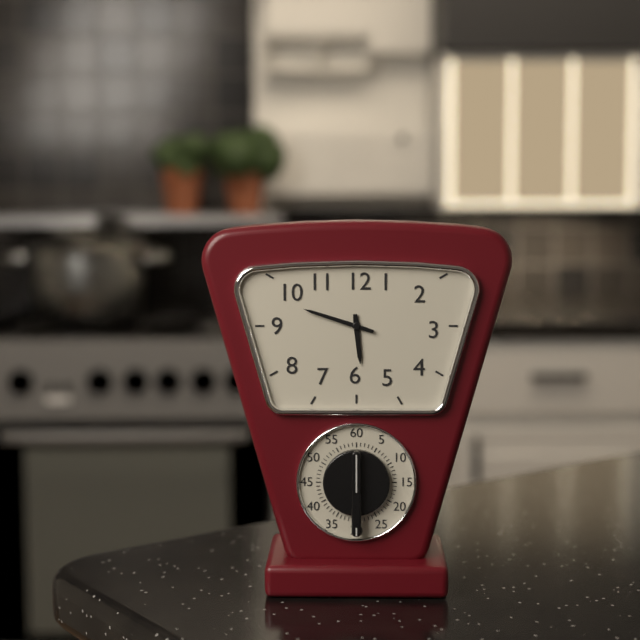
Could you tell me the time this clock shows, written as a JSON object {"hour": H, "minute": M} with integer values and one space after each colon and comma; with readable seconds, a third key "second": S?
{"hour": 5, "minute": 48}
